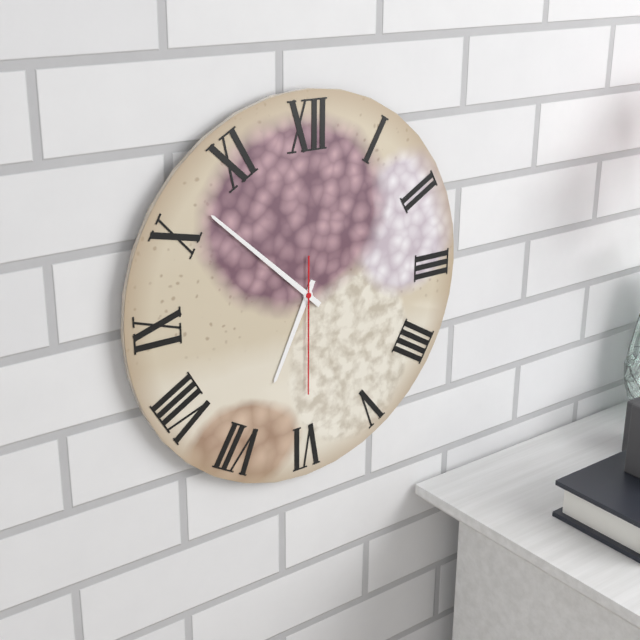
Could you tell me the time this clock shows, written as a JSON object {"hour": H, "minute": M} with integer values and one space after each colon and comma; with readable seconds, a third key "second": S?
{"hour": 6, "minute": 52, "second": 30}
